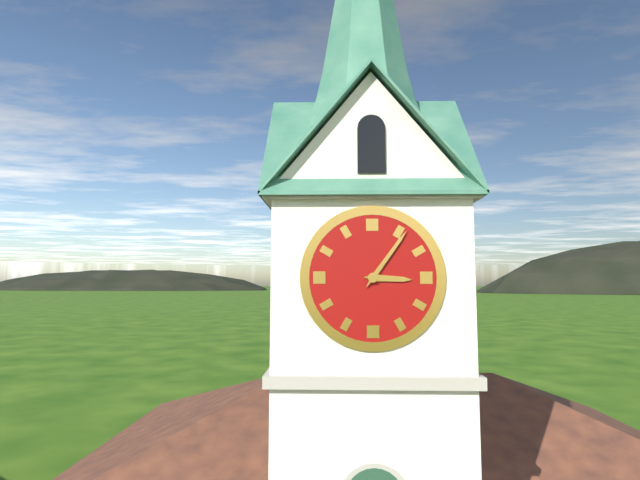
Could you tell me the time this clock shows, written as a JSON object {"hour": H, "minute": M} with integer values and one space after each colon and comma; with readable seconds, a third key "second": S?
{"hour": 3, "minute": 6}
